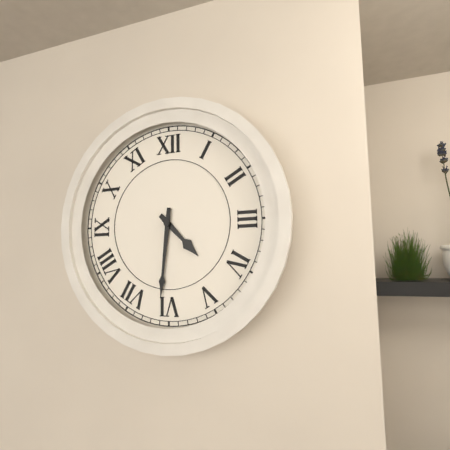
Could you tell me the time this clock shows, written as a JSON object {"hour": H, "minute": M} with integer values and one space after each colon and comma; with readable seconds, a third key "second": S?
{"hour": 4, "minute": 31}
